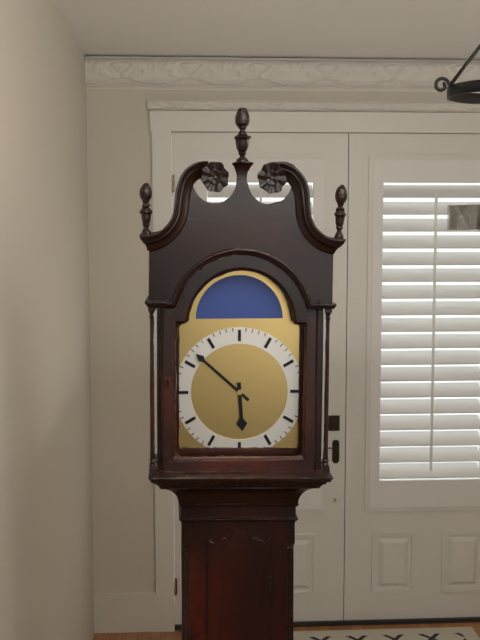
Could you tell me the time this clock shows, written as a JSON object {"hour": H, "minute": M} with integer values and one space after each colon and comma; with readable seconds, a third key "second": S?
{"hour": 5, "minute": 52}
